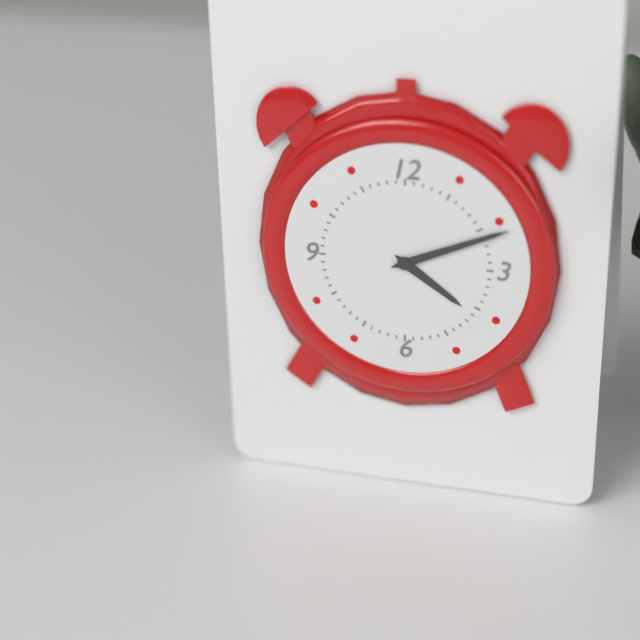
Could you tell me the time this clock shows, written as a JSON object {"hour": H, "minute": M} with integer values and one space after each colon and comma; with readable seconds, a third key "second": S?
{"hour": 4, "minute": 11}
